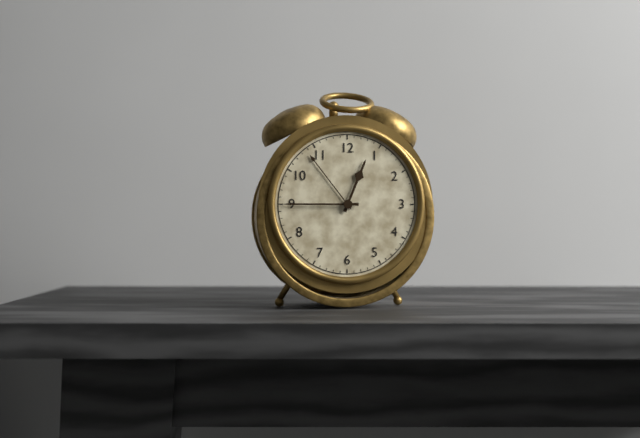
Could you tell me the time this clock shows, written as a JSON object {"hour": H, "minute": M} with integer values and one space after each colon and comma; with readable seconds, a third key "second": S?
{"hour": 12, "minute": 45}
